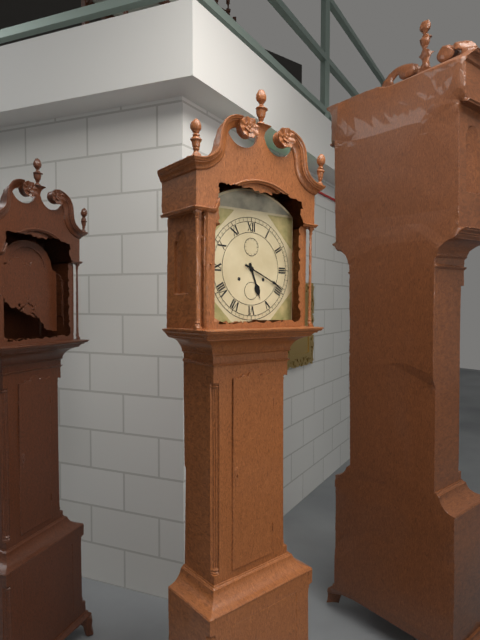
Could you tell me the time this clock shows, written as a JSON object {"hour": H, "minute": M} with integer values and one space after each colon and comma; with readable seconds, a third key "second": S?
{"hour": 5, "minute": 19}
